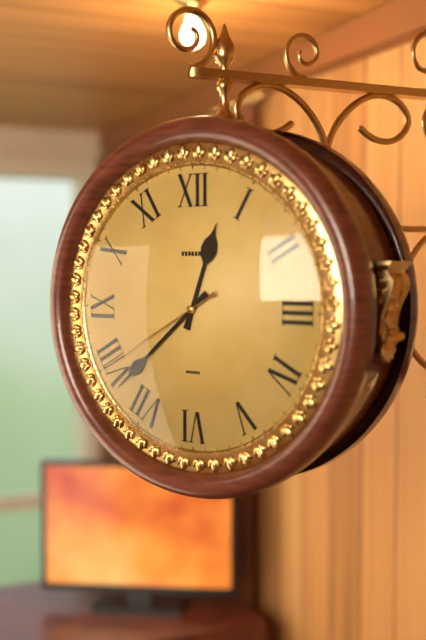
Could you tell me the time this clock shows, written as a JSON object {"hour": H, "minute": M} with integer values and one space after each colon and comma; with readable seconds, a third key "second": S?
{"hour": 12, "minute": 38, "second": 40}
